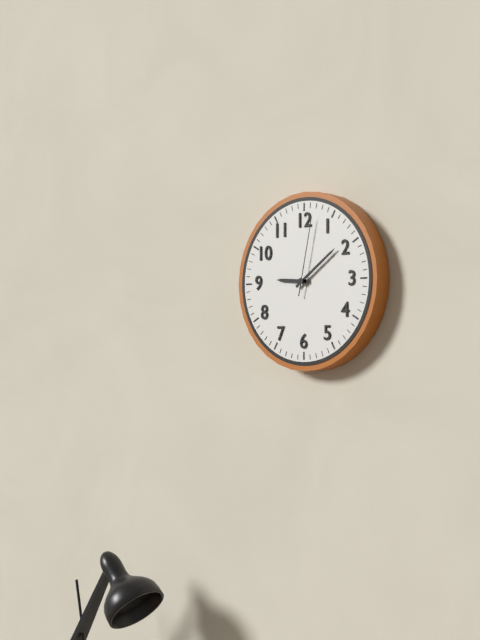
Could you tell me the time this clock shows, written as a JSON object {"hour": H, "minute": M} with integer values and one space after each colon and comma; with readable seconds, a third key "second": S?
{"hour": 9, "minute": 9, "second": 2}
